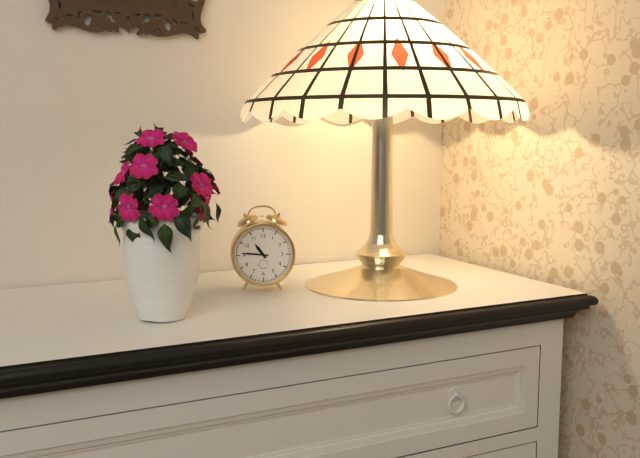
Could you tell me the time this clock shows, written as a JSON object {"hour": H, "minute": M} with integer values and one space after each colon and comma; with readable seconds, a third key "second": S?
{"hour": 10, "minute": 46}
